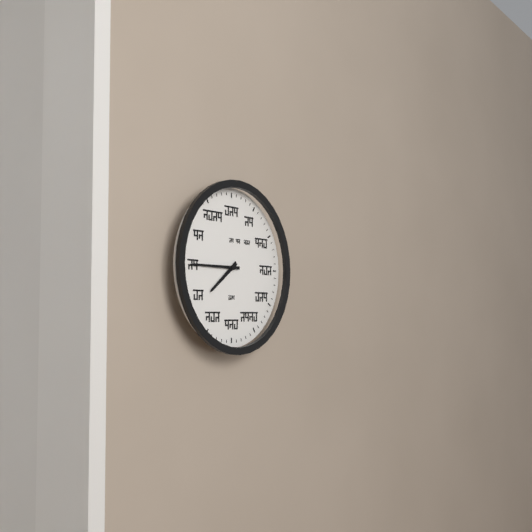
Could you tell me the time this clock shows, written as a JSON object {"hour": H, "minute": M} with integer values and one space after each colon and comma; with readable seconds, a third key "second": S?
{"hour": 7, "minute": 45}
